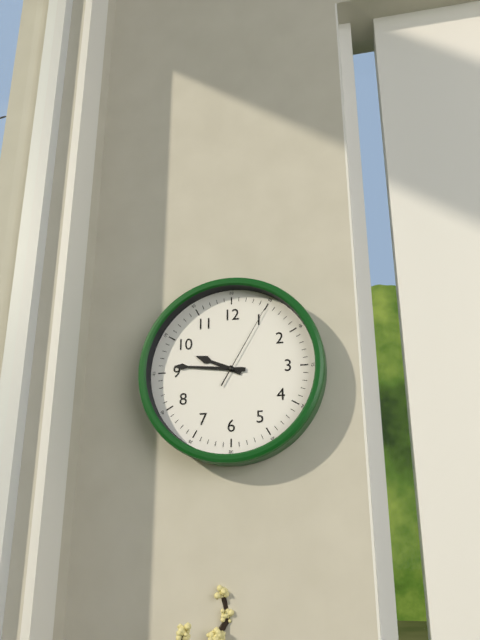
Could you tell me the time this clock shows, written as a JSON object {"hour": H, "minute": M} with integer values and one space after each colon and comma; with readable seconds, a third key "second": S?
{"hour": 9, "minute": 46, "second": 5}
